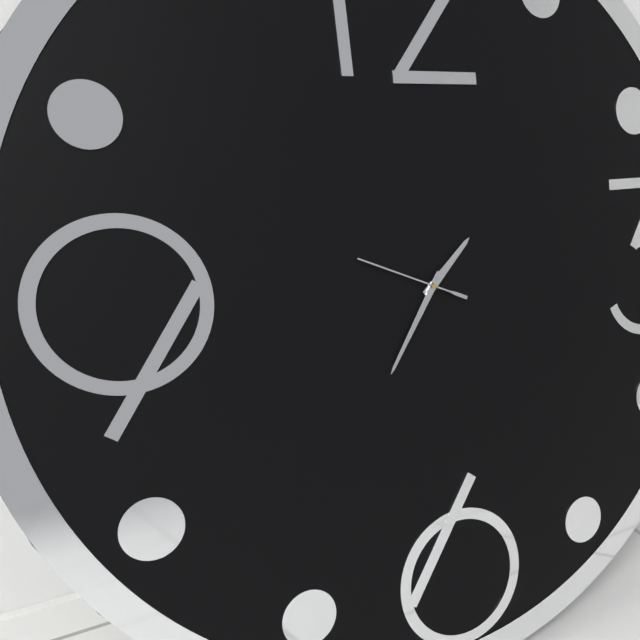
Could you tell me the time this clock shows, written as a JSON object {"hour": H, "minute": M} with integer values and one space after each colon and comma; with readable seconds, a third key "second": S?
{"hour": 1, "minute": 36, "second": 49}
